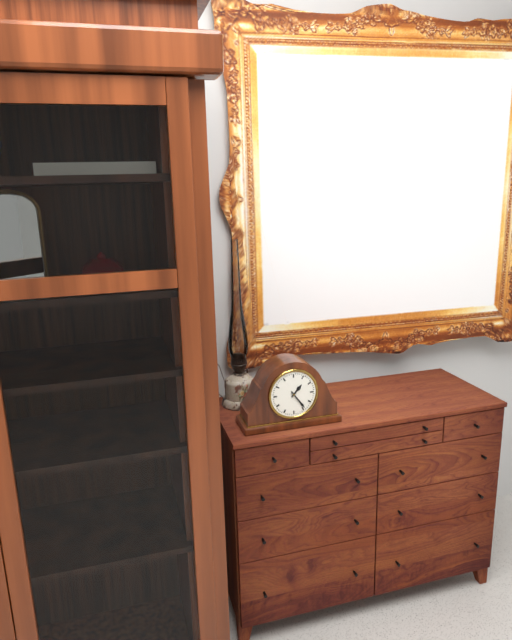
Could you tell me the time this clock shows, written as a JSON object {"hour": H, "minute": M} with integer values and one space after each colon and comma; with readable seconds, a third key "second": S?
{"hour": 1, "minute": 24}
